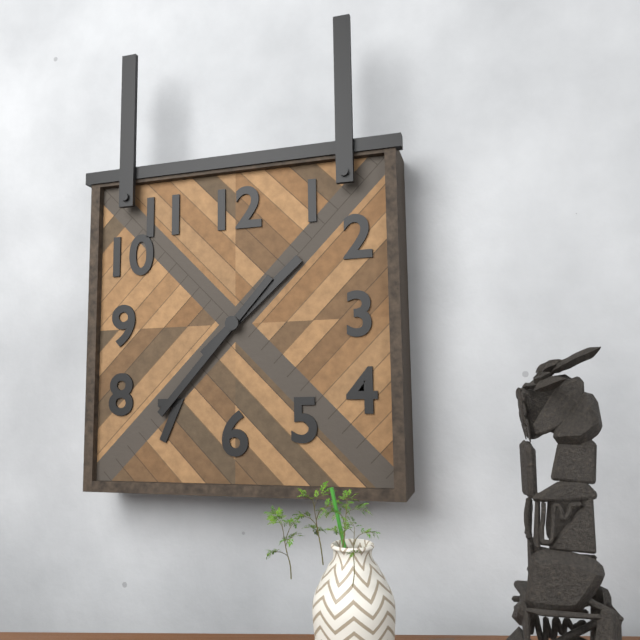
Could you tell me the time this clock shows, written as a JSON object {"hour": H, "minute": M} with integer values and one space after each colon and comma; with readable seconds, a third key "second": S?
{"hour": 1, "minute": 37}
